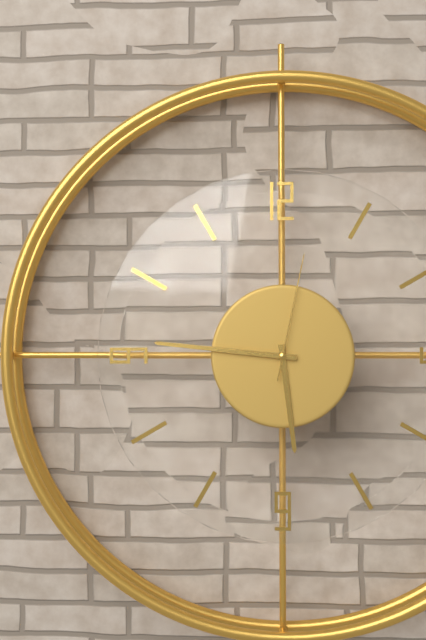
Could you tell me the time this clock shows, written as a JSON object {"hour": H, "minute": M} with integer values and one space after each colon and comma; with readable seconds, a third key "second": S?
{"hour": 5, "minute": 46, "second": 2}
